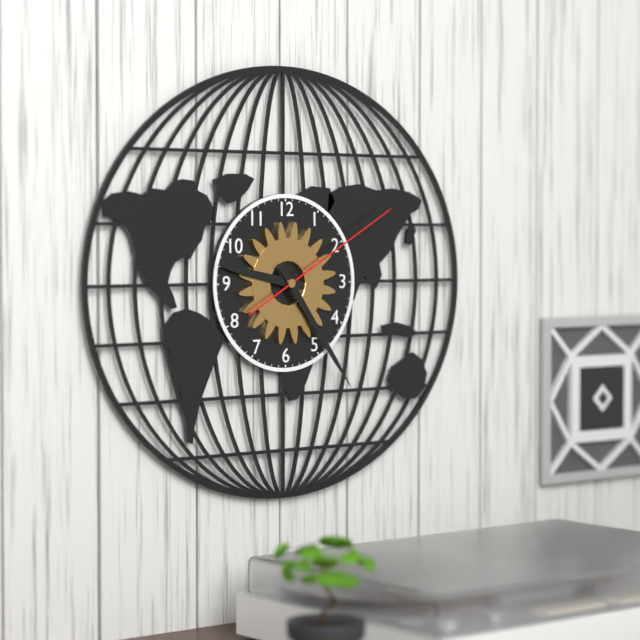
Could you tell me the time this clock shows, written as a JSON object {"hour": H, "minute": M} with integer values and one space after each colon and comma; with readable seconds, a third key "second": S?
{"hour": 9, "minute": 24, "second": 10}
